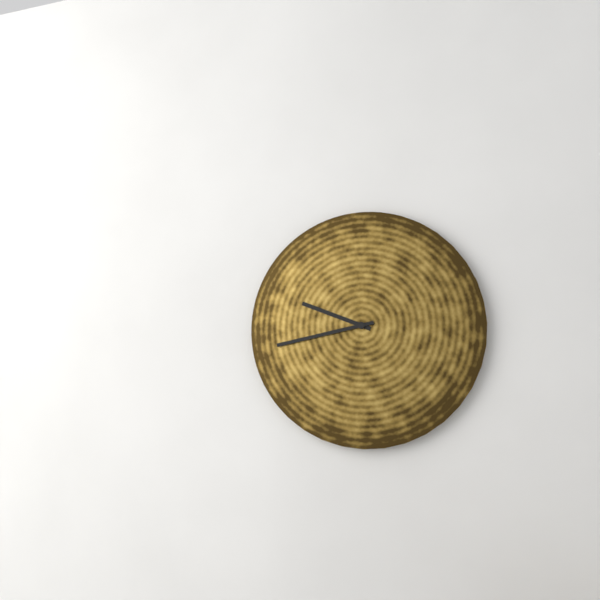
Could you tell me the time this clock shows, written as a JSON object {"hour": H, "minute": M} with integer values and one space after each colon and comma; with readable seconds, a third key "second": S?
{"hour": 9, "minute": 43}
